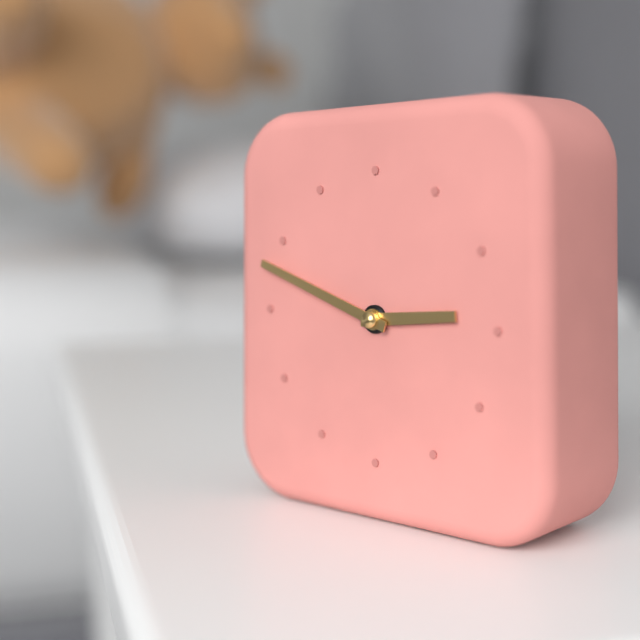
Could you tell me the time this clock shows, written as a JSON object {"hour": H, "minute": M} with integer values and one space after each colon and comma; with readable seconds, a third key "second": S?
{"hour": 2, "minute": 48}
